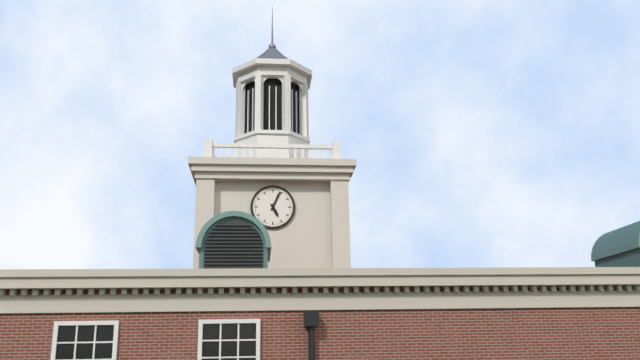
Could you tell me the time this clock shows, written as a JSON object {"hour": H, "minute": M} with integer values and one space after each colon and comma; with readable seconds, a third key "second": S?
{"hour": 5, "minute": 4}
